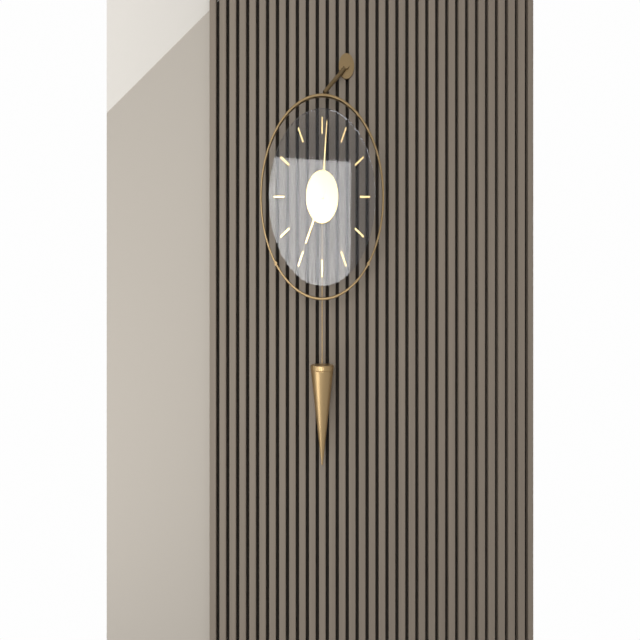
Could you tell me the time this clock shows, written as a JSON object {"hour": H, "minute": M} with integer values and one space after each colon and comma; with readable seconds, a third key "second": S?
{"hour": 7, "minute": 1}
